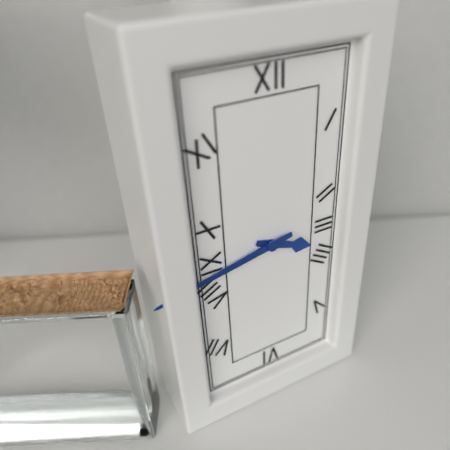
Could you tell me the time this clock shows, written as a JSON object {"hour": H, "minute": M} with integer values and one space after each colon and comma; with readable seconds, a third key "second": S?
{"hour": 3, "minute": 43}
